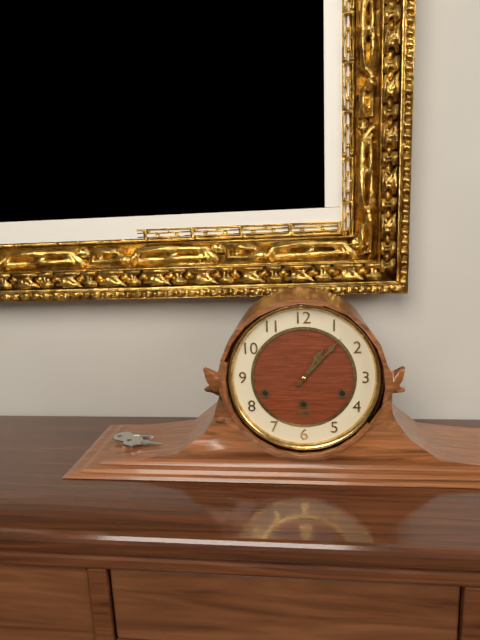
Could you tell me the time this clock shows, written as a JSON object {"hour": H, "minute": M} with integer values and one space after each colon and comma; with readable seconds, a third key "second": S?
{"hour": 1, "minute": 7}
